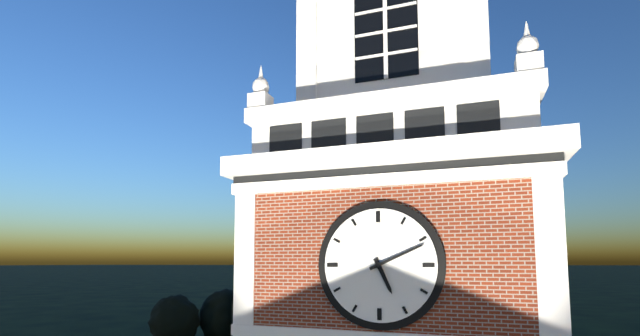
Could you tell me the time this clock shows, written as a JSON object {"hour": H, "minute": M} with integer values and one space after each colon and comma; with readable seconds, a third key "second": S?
{"hour": 5, "minute": 11}
